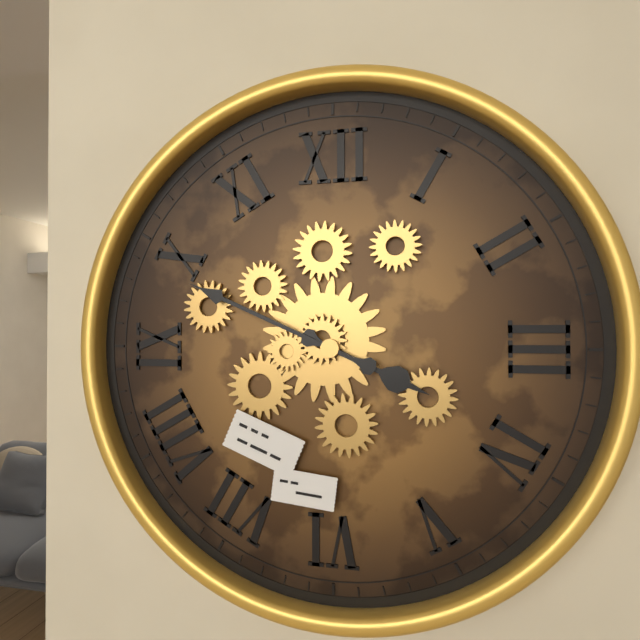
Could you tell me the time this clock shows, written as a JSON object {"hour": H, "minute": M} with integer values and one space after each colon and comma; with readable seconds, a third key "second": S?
{"hour": 3, "minute": 49}
